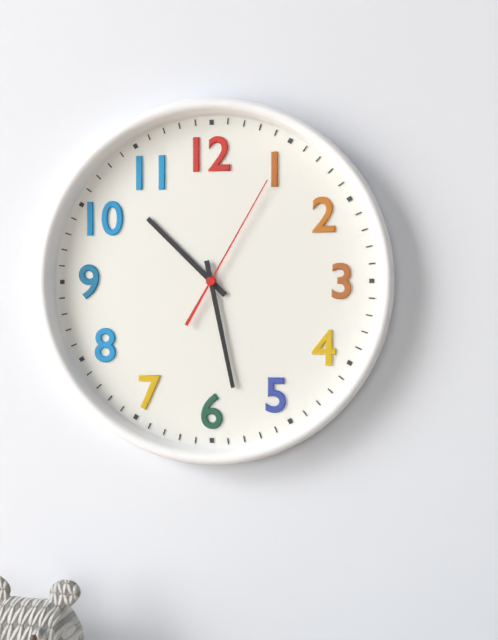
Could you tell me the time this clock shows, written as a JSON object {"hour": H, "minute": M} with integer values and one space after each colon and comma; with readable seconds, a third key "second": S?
{"hour": 10, "minute": 28, "second": 5}
